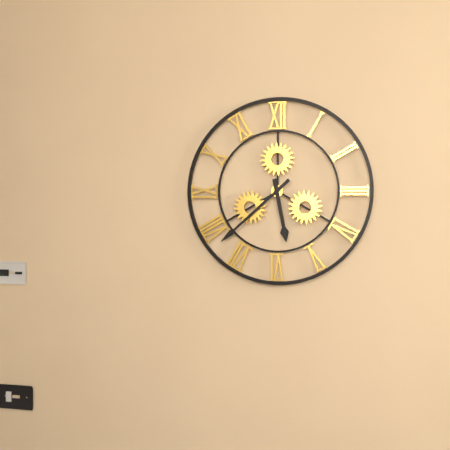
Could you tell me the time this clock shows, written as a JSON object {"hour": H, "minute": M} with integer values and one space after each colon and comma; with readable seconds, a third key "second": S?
{"hour": 5, "minute": 38}
